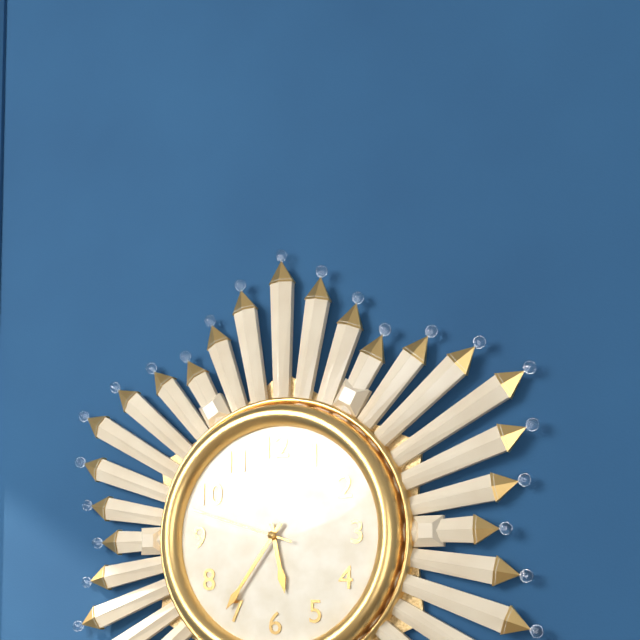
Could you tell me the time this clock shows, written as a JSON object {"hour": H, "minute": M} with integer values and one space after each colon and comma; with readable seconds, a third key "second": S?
{"hour": 5, "minute": 36, "second": 48}
